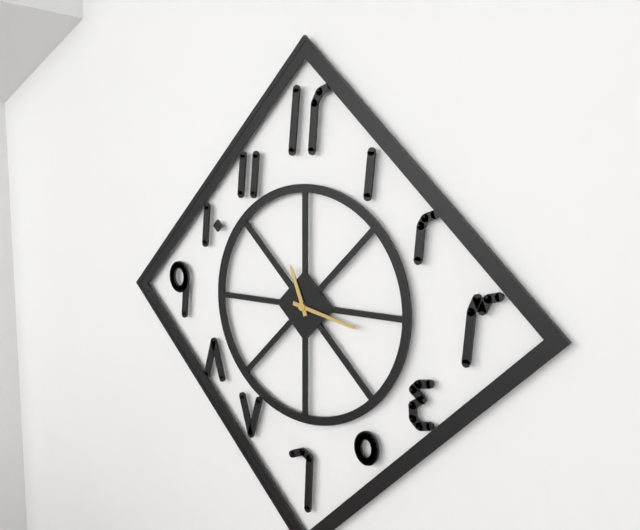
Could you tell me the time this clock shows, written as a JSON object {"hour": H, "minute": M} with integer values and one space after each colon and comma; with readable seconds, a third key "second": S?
{"hour": 11, "minute": 17}
